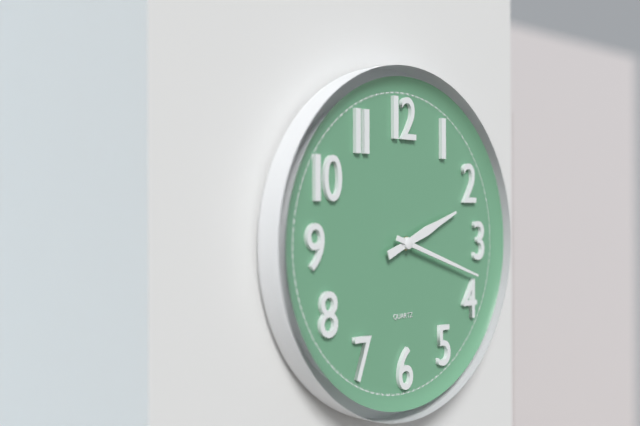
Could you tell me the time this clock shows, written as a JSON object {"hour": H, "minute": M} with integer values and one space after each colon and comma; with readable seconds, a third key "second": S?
{"hour": 2, "minute": 18}
